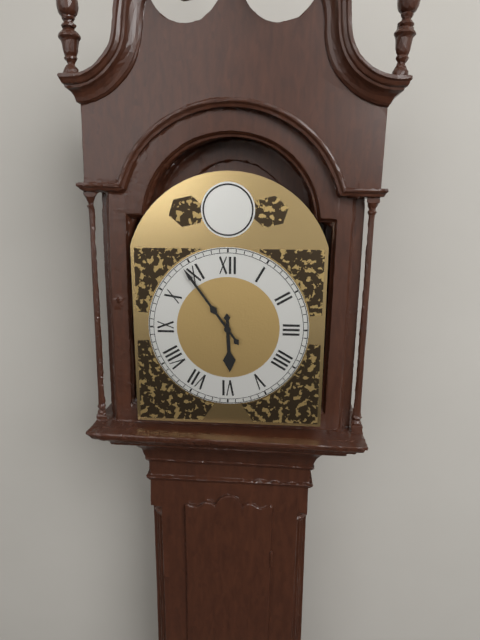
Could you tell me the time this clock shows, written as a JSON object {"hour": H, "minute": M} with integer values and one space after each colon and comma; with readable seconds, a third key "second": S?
{"hour": 5, "minute": 54}
